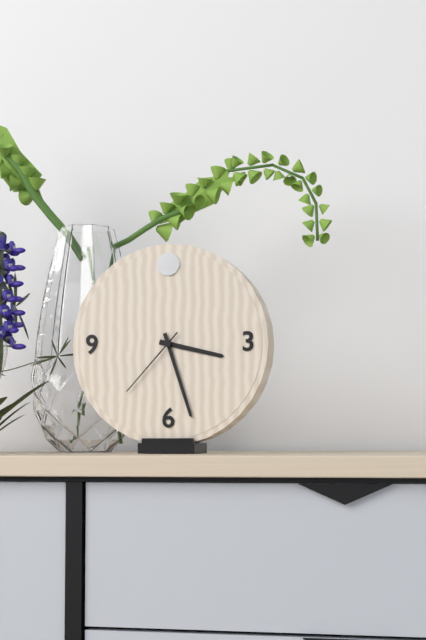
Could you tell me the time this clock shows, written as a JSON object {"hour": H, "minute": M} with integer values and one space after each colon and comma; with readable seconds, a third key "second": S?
{"hour": 3, "minute": 27, "second": 37}
